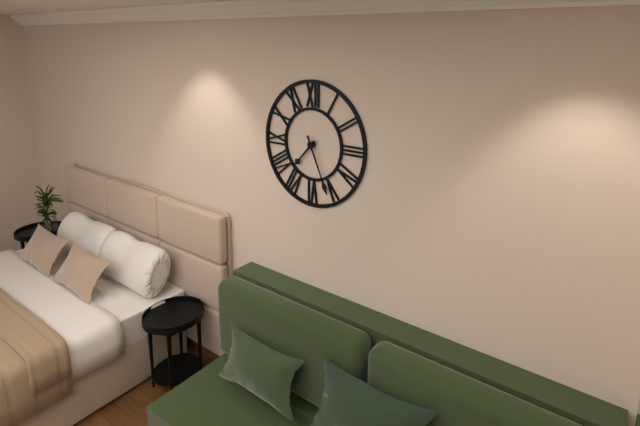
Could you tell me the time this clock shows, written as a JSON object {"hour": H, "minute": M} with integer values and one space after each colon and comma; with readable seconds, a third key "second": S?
{"hour": 7, "minute": 26}
